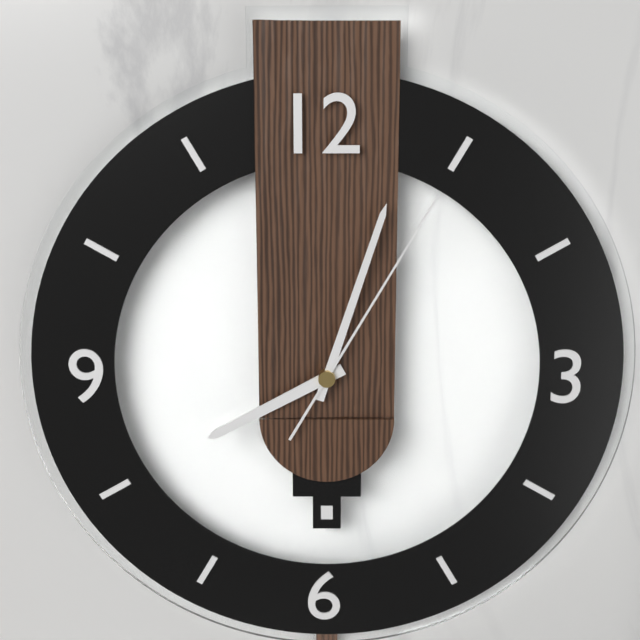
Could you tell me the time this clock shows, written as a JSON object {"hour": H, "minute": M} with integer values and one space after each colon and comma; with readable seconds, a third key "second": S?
{"hour": 8, "minute": 3, "second": 5}
